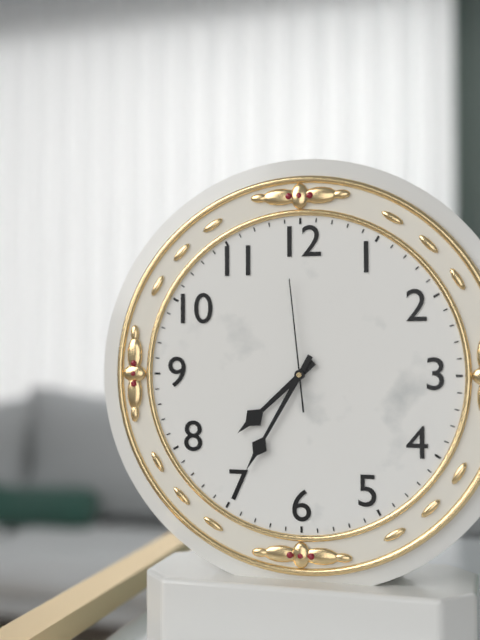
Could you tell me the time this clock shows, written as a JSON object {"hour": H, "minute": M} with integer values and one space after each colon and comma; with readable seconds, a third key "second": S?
{"hour": 7, "minute": 35, "second": 59}
